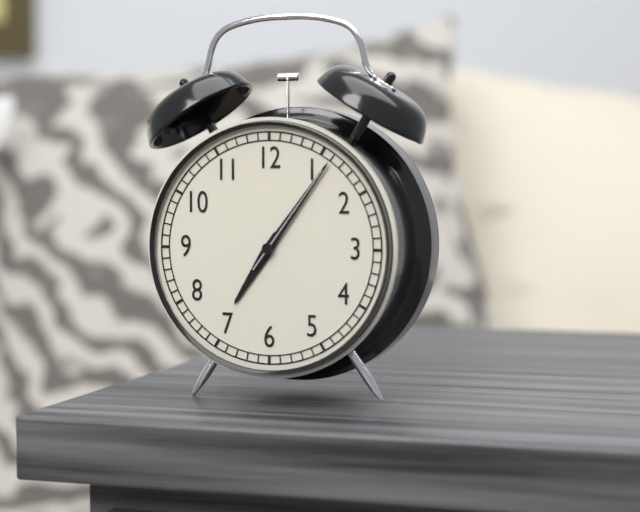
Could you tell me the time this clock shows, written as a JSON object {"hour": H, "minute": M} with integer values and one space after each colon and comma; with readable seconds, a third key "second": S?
{"hour": 7, "minute": 6, "second": 6}
